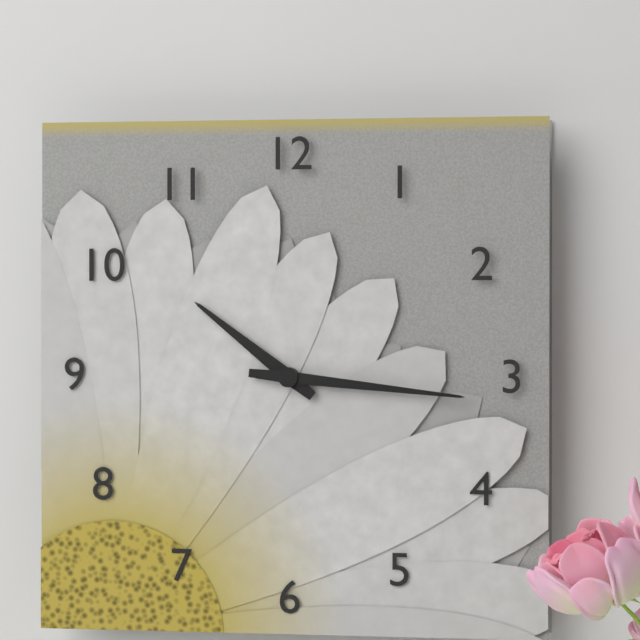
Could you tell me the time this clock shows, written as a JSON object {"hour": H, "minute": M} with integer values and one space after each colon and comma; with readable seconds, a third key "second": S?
{"hour": 10, "minute": 16}
